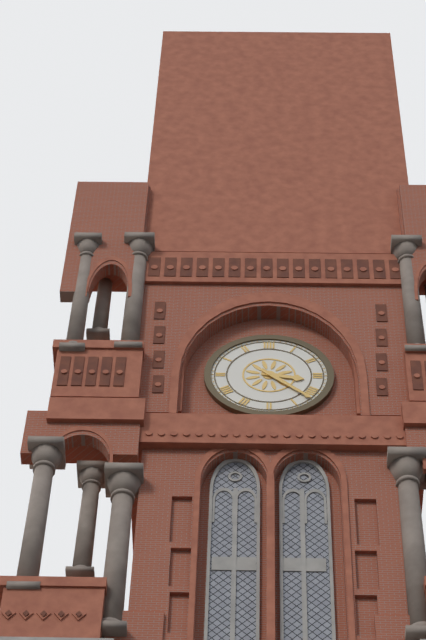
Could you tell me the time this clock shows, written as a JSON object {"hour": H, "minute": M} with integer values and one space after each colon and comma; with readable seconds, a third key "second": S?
{"hour": 3, "minute": 22}
